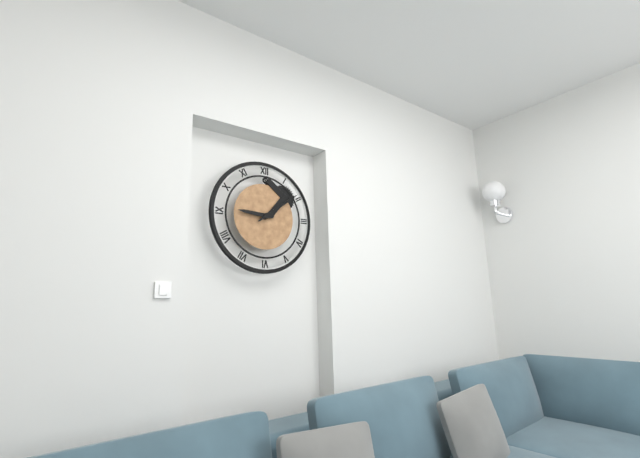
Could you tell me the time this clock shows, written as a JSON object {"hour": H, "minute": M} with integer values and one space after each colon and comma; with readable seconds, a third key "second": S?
{"hour": 9, "minute": 9}
